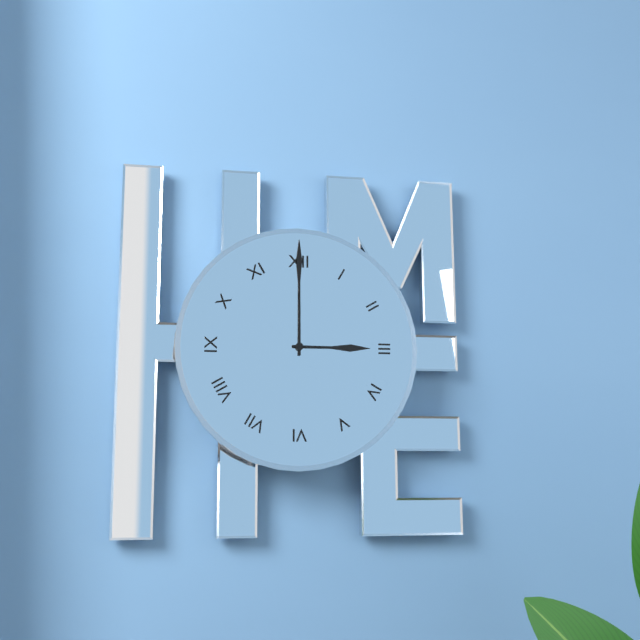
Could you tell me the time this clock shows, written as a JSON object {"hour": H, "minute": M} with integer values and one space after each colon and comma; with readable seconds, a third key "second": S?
{"hour": 3, "minute": 0}
